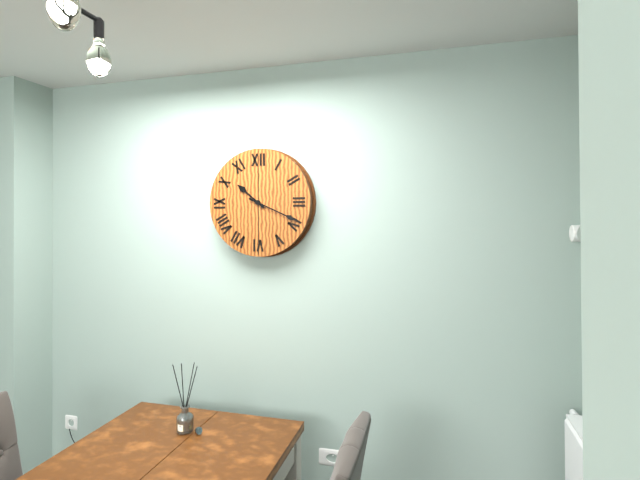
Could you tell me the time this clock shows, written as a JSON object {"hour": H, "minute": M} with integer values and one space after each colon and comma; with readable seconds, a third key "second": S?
{"hour": 10, "minute": 19}
